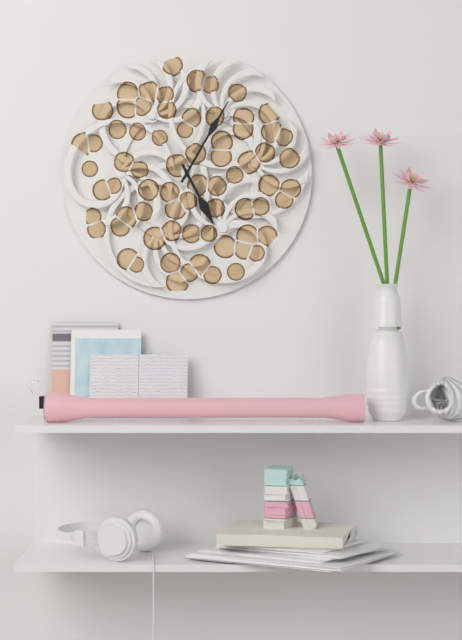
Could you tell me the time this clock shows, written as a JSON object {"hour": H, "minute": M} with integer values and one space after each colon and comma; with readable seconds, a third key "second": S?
{"hour": 5, "minute": 5}
